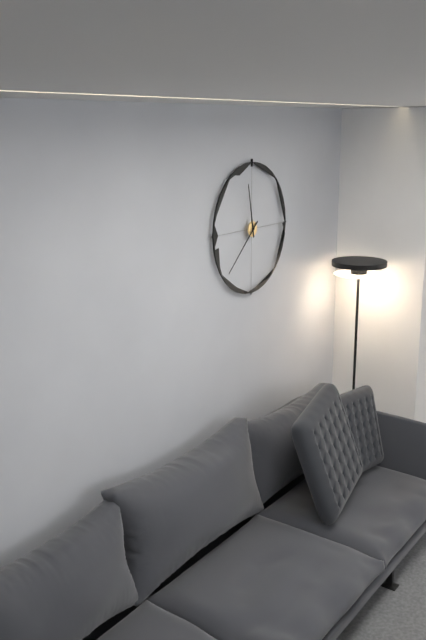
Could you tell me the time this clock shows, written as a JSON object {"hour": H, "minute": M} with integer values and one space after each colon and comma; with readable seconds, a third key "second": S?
{"hour": 11, "minute": 38}
